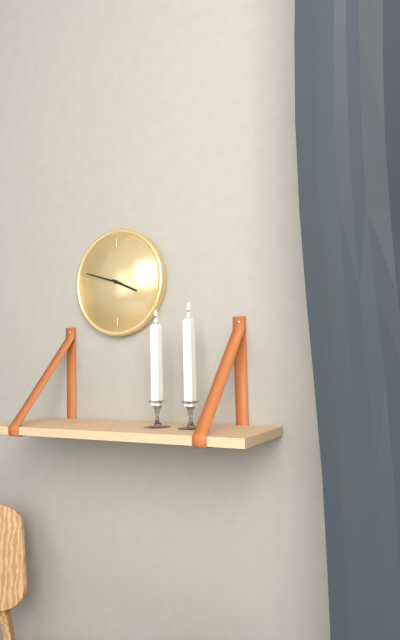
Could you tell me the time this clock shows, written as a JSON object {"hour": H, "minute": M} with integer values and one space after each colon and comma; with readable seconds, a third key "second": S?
{"hour": 3, "minute": 48}
